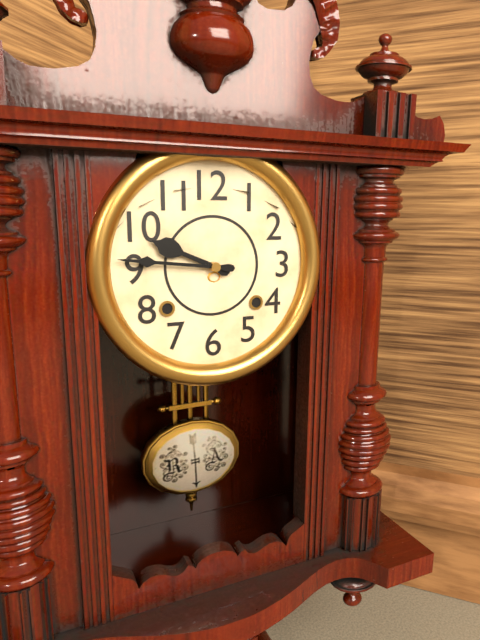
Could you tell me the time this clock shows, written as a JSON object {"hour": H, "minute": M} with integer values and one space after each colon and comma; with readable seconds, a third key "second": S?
{"hour": 9, "minute": 46}
